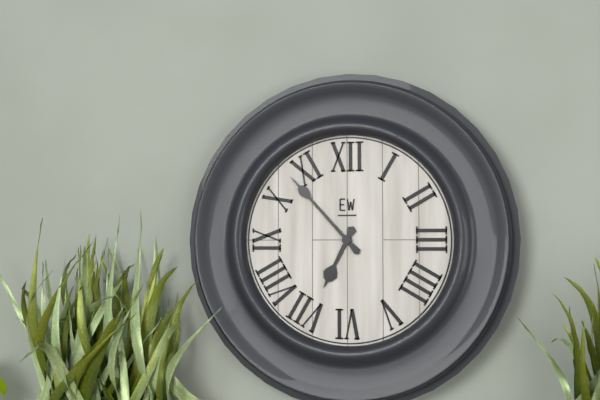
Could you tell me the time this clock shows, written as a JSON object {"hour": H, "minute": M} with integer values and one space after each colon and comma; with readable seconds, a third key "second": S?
{"hour": 6, "minute": 53}
